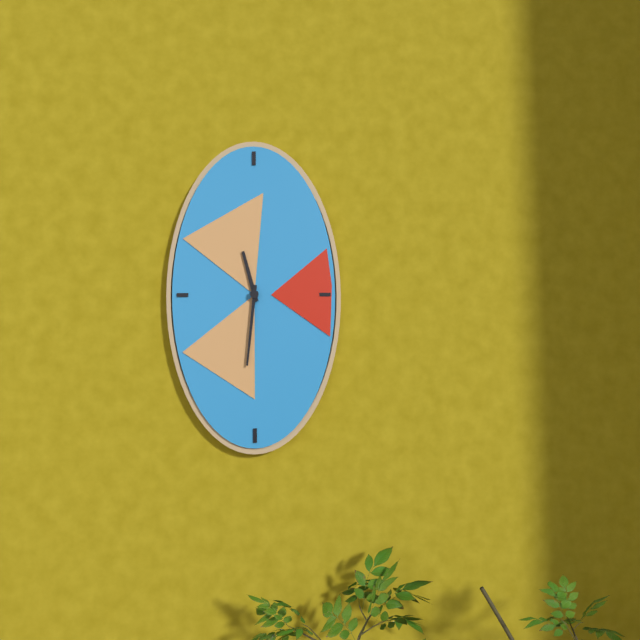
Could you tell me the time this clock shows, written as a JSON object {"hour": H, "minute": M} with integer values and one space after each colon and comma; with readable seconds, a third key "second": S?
{"hour": 11, "minute": 31}
